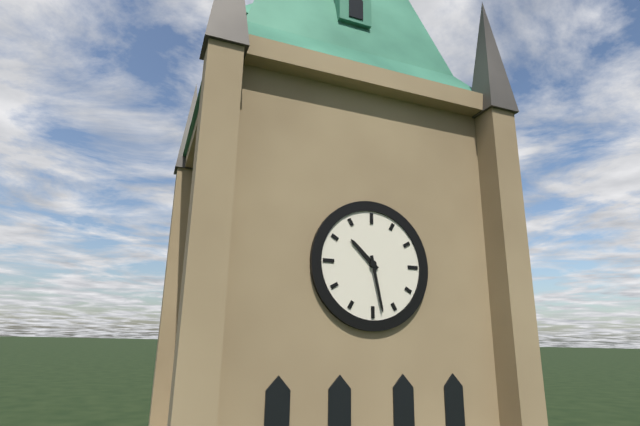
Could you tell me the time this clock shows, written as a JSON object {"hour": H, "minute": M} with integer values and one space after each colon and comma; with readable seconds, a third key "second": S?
{"hour": 10, "minute": 28}
